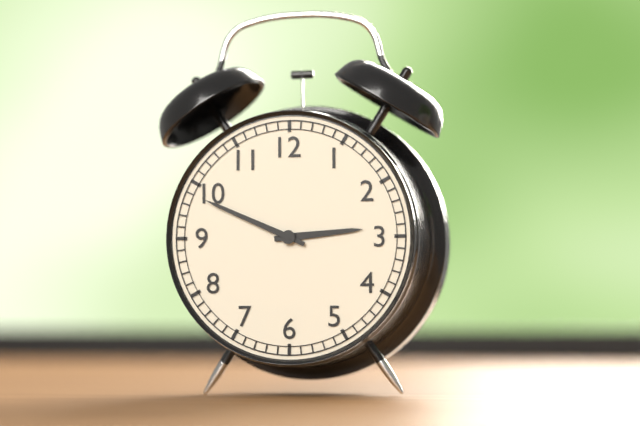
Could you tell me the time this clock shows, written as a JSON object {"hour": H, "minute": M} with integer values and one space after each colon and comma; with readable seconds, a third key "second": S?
{"hour": 2, "minute": 49}
